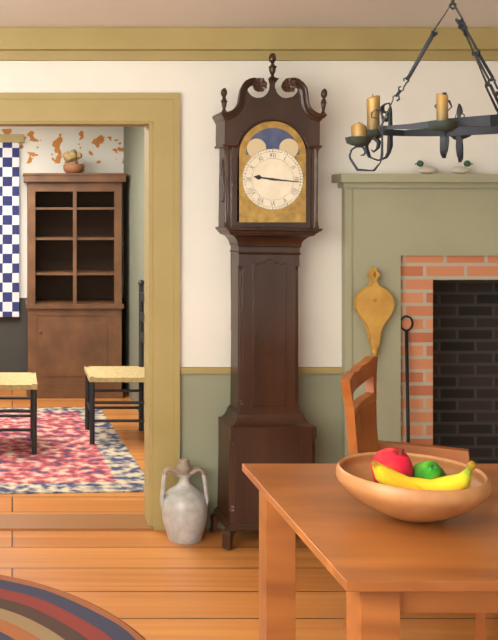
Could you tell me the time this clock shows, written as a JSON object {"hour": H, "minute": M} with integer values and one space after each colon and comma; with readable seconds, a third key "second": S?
{"hour": 9, "minute": 16}
